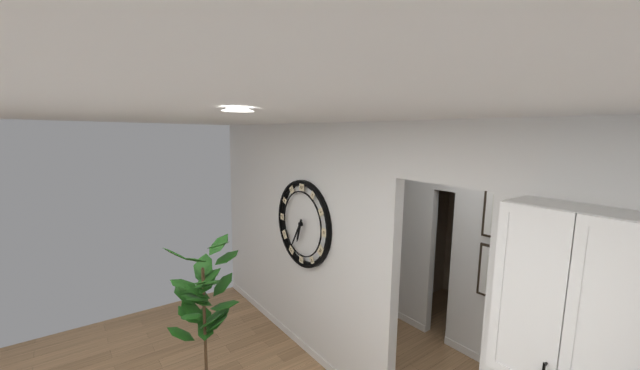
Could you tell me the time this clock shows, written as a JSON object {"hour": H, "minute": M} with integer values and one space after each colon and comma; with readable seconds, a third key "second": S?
{"hour": 6, "minute": 35}
